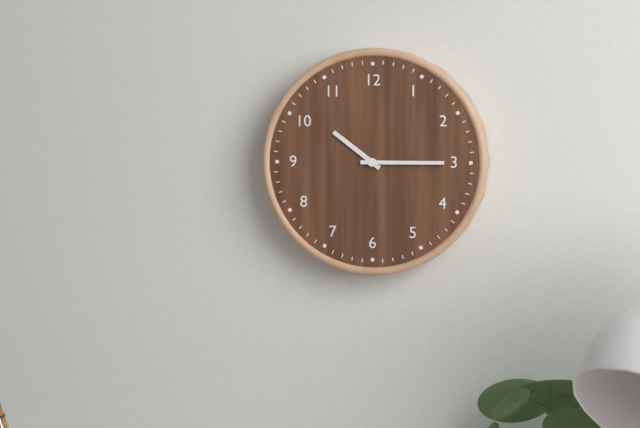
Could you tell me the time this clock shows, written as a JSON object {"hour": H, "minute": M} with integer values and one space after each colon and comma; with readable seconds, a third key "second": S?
{"hour": 10, "minute": 15}
